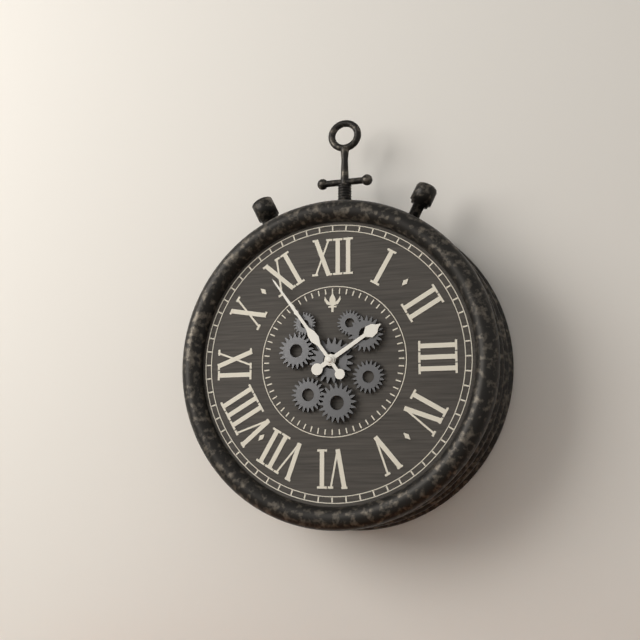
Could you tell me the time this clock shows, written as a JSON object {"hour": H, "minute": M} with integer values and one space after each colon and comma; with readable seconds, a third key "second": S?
{"hour": 1, "minute": 54}
